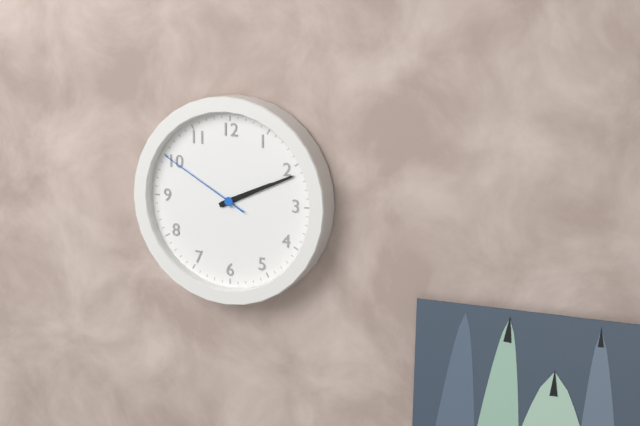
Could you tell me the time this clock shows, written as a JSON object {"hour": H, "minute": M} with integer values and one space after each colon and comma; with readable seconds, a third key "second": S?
{"hour": 2, "minute": 11, "second": 50}
